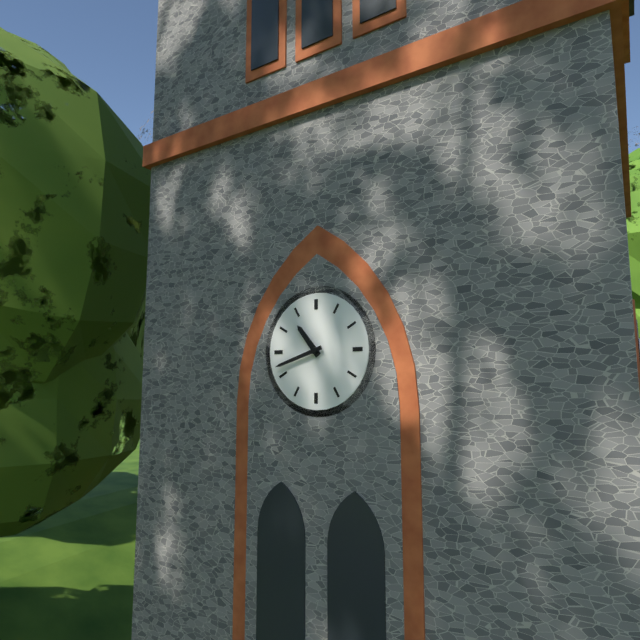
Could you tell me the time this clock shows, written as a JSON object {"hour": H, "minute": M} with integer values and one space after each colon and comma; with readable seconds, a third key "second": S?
{"hour": 10, "minute": 42}
